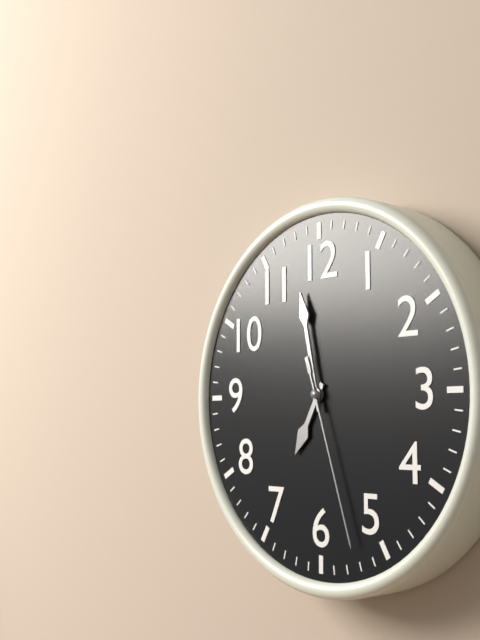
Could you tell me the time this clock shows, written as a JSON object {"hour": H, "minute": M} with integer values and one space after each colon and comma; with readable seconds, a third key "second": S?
{"hour": 6, "minute": 58, "second": 27}
